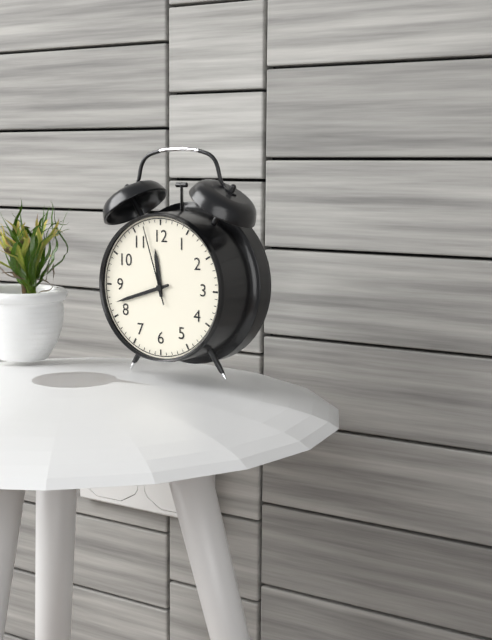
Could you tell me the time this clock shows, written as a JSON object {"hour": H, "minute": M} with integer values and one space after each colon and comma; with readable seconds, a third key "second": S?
{"hour": 11, "minute": 42, "second": 57}
